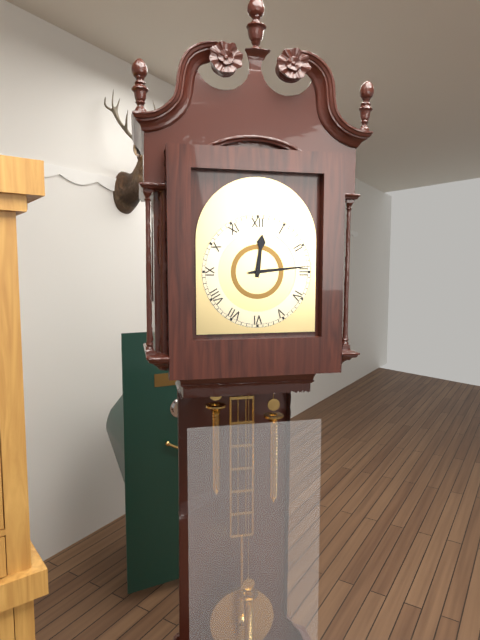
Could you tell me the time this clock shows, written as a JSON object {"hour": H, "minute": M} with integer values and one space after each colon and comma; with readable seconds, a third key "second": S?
{"hour": 12, "minute": 14}
